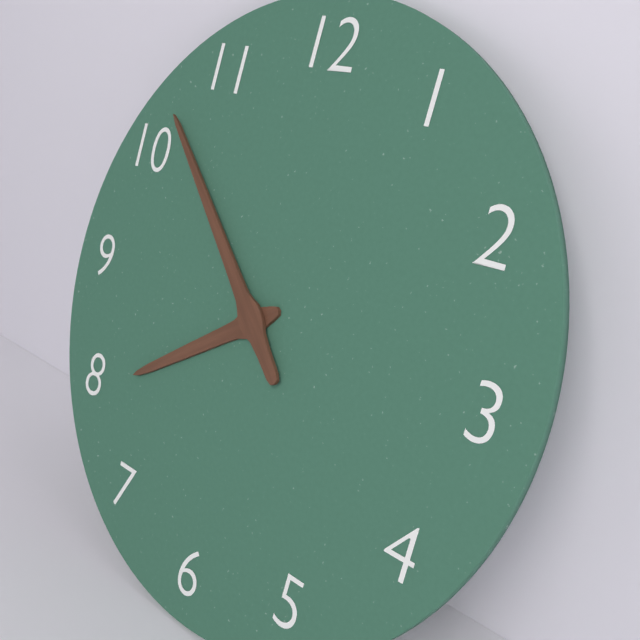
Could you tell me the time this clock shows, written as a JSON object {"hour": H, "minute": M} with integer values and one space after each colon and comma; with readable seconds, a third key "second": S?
{"hour": 7, "minute": 52}
